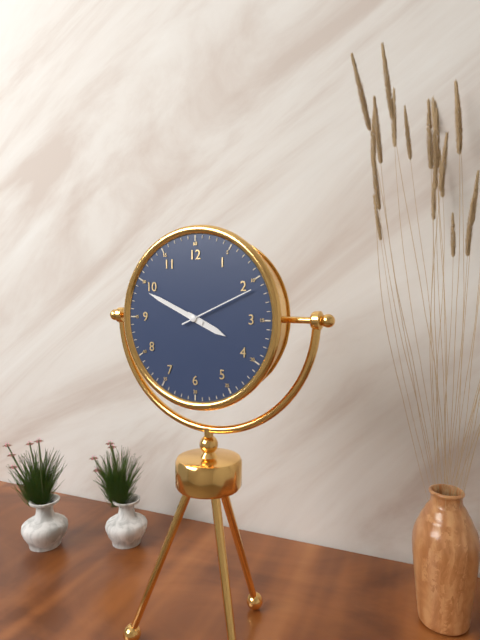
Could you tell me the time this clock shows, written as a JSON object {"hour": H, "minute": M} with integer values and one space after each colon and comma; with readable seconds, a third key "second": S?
{"hour": 3, "minute": 49, "second": 11}
